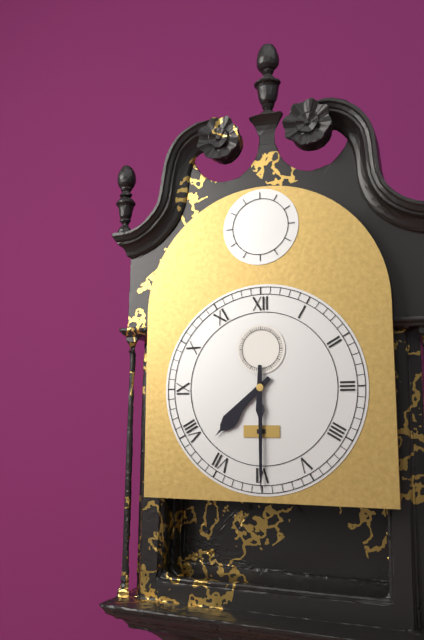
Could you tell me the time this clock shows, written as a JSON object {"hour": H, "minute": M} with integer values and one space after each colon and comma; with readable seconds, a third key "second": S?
{"hour": 7, "minute": 30}
